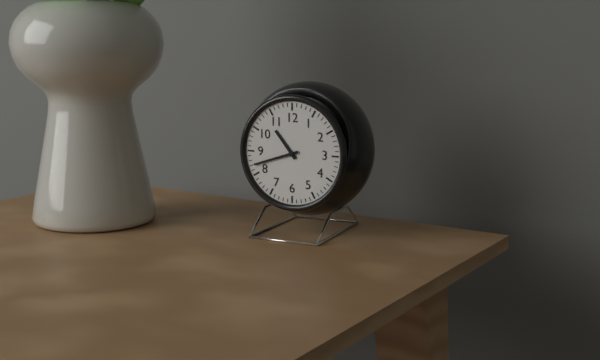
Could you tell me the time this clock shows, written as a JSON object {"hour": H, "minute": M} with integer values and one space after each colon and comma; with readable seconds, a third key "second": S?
{"hour": 10, "minute": 42}
